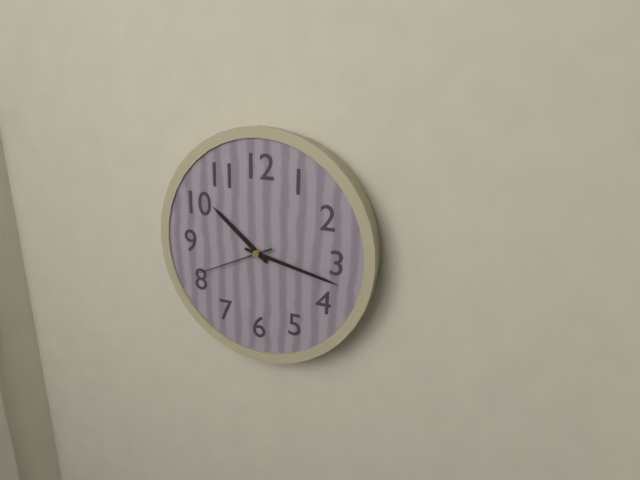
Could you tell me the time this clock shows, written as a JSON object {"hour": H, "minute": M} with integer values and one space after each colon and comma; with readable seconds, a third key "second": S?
{"hour": 10, "minute": 17, "second": 41}
